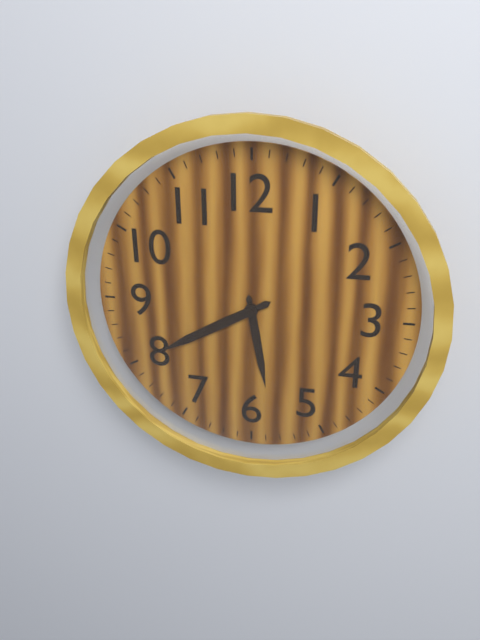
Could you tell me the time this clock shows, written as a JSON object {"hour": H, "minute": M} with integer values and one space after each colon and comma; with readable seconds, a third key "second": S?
{"hour": 5, "minute": 40}
